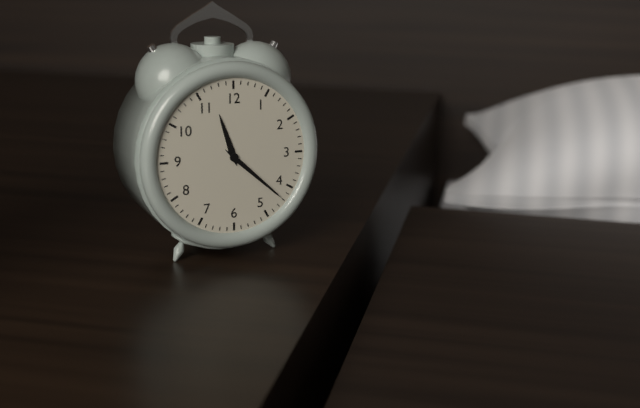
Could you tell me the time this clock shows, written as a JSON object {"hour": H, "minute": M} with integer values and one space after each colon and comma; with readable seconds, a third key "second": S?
{"hour": 11, "minute": 22}
